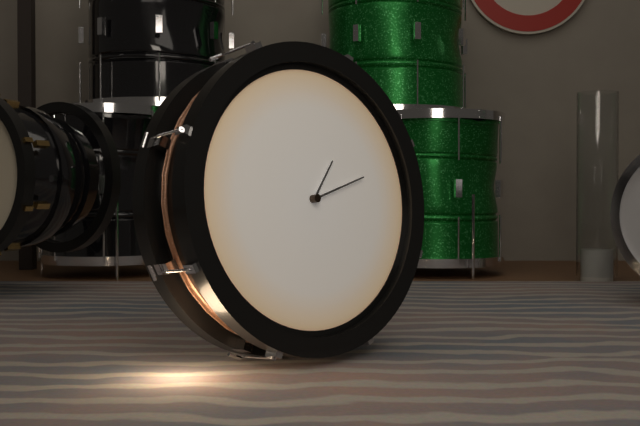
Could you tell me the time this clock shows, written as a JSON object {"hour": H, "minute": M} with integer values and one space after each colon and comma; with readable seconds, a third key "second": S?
{"hour": 1, "minute": 12}
